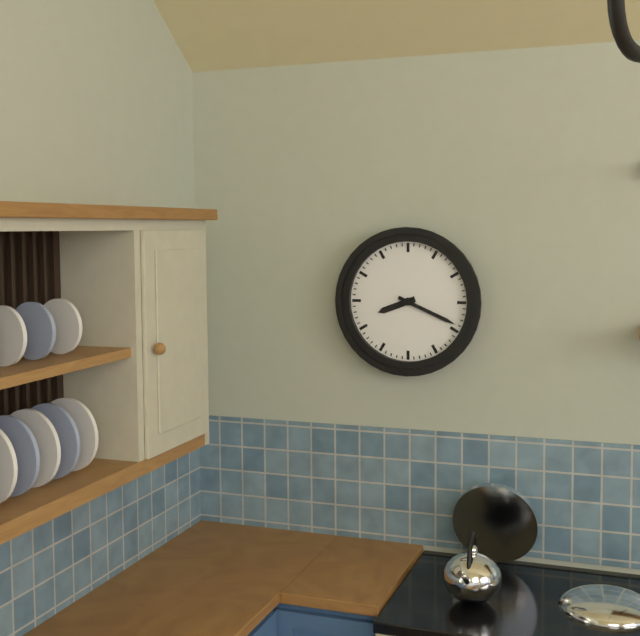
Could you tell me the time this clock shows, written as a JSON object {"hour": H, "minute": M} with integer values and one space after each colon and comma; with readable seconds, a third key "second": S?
{"hour": 8, "minute": 19}
